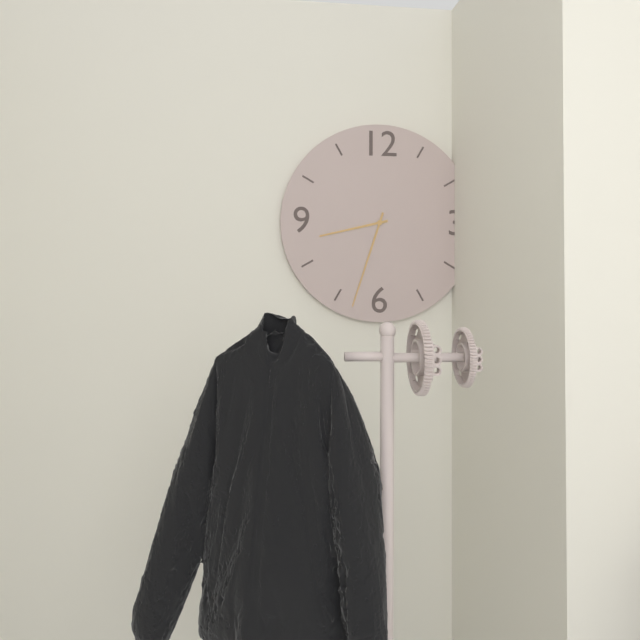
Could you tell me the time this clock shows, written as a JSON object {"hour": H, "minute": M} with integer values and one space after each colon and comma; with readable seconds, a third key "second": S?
{"hour": 8, "minute": 33}
